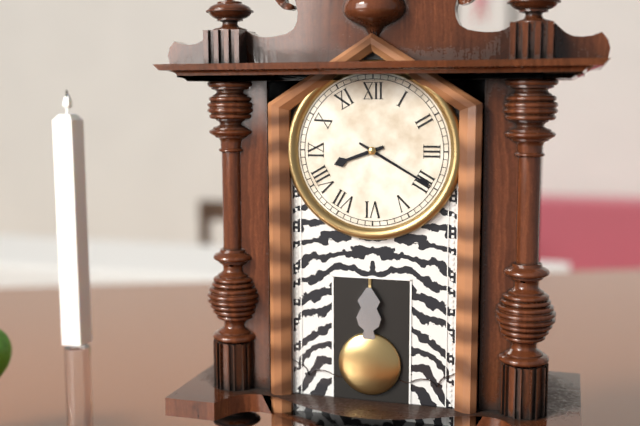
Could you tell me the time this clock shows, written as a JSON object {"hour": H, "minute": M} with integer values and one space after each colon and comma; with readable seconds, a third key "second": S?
{"hour": 8, "minute": 20}
